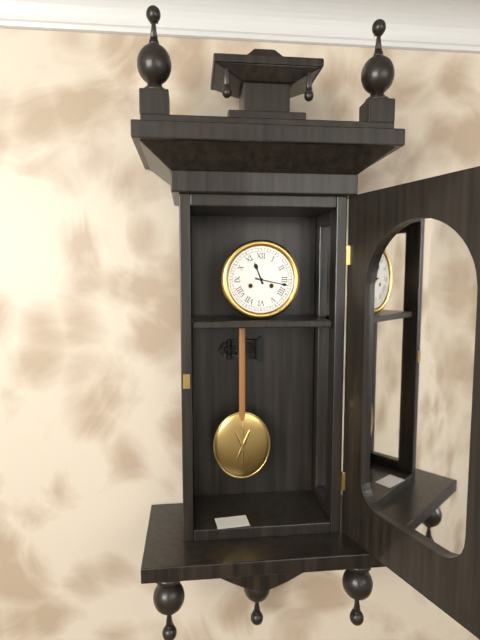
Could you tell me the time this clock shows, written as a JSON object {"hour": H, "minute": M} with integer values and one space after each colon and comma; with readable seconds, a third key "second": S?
{"hour": 11, "minute": 17}
